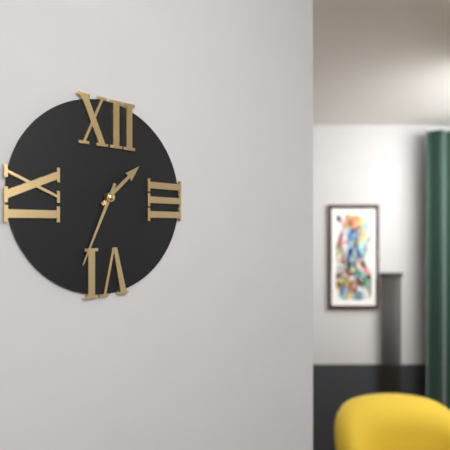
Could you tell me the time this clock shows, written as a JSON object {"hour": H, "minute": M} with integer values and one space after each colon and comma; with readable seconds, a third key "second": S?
{"hour": 1, "minute": 34}
